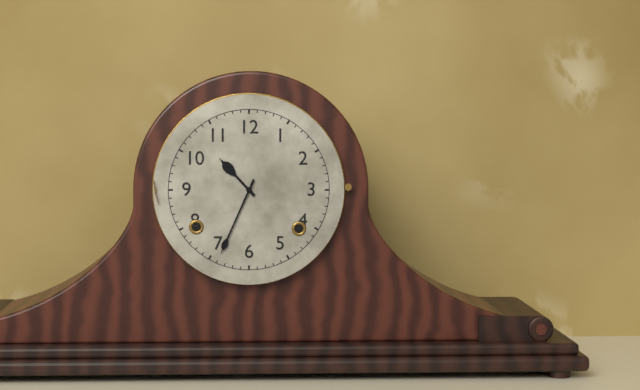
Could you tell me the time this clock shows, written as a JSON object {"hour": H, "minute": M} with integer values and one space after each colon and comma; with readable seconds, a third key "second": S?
{"hour": 10, "minute": 34}
